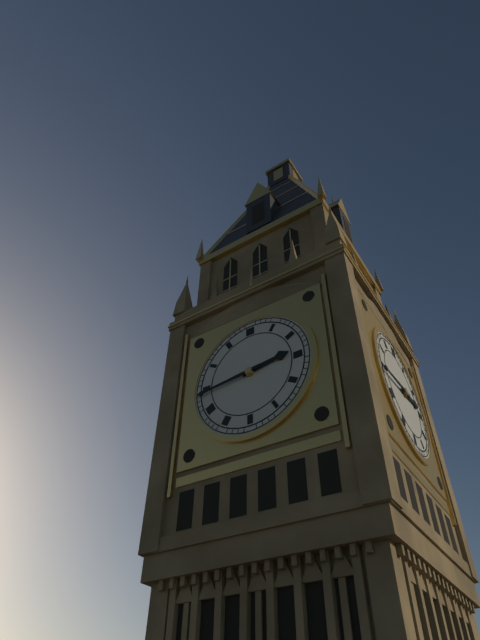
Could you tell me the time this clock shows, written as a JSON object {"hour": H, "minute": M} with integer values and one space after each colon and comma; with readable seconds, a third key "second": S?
{"hour": 2, "minute": 44}
